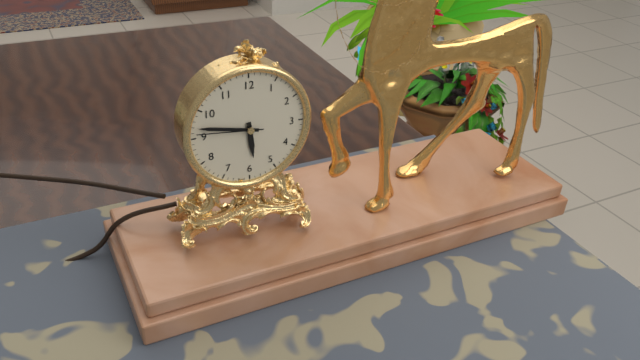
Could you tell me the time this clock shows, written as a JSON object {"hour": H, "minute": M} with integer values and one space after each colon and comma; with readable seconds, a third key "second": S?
{"hour": 5, "minute": 47, "second": 46}
